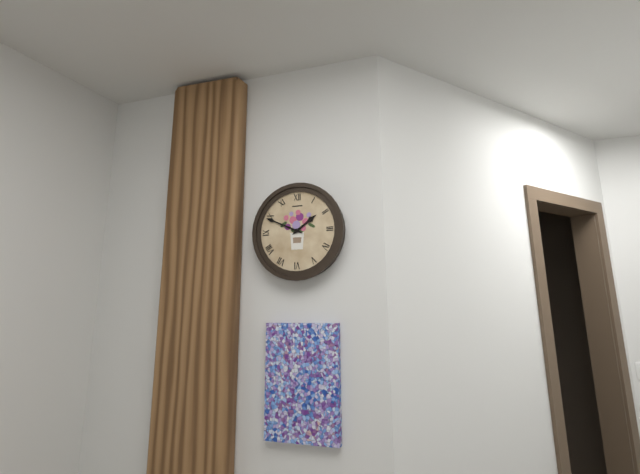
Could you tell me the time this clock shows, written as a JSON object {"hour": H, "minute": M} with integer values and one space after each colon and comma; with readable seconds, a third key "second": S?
{"hour": 1, "minute": 49}
